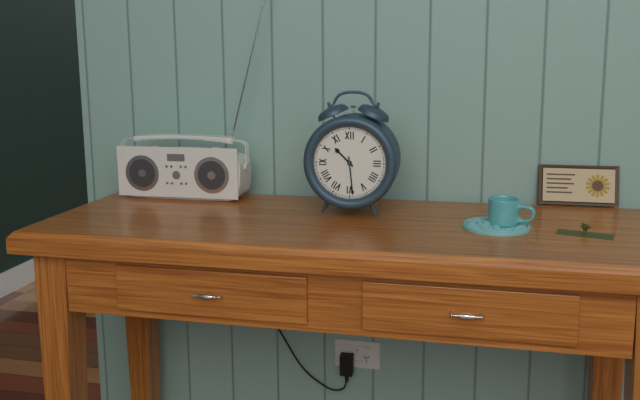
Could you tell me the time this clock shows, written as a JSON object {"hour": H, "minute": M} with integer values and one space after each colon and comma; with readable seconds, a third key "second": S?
{"hour": 10, "minute": 29}
